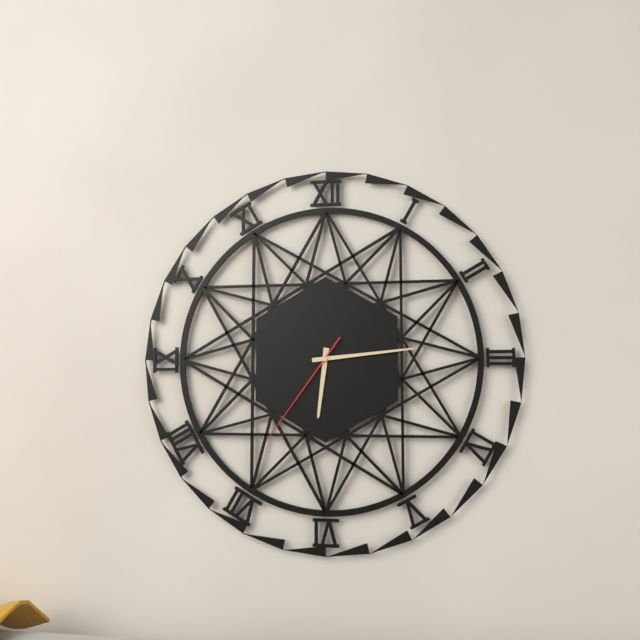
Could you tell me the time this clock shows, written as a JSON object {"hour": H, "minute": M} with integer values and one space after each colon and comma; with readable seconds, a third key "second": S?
{"hour": 6, "minute": 14, "second": 36}
